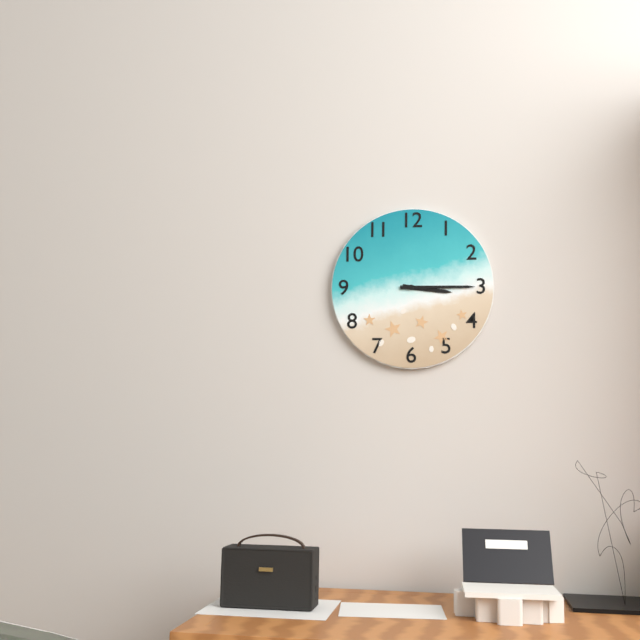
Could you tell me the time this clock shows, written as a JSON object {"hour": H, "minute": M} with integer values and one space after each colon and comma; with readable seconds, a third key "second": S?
{"hour": 3, "minute": 15}
